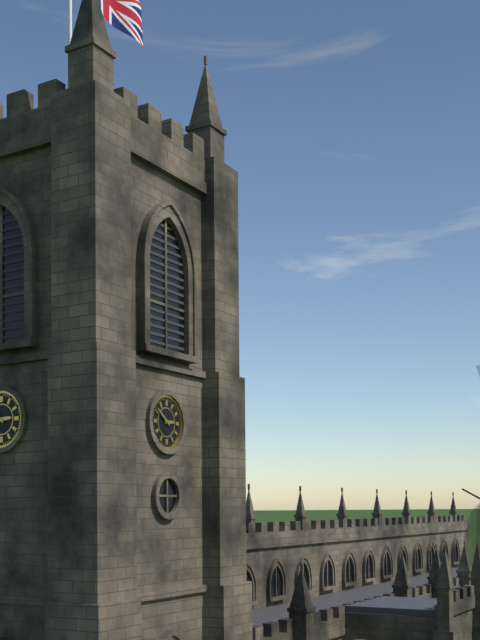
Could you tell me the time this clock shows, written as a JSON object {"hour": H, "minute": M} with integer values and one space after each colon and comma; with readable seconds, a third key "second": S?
{"hour": 2, "minute": 51}
